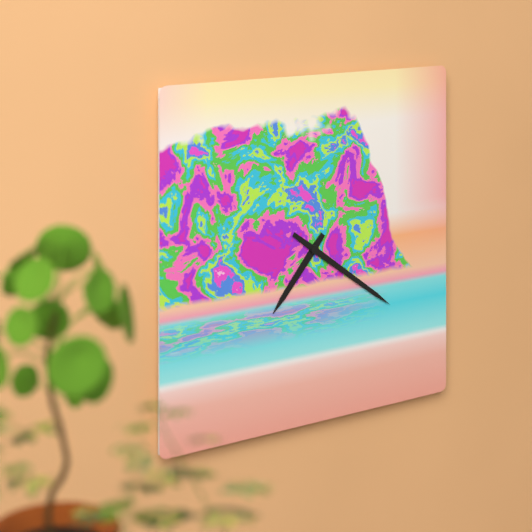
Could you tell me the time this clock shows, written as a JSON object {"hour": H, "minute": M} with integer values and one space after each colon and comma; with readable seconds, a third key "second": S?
{"hour": 7, "minute": 21}
